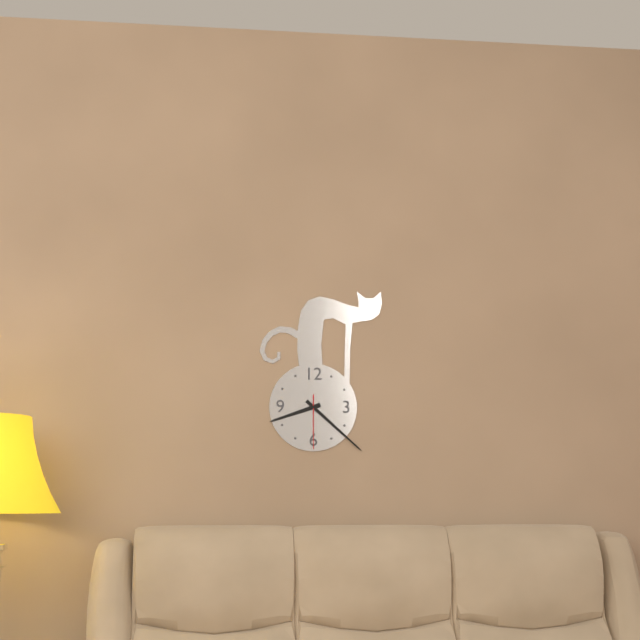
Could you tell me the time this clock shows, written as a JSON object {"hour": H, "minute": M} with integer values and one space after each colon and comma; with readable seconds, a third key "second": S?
{"hour": 8, "minute": 22, "second": 30}
